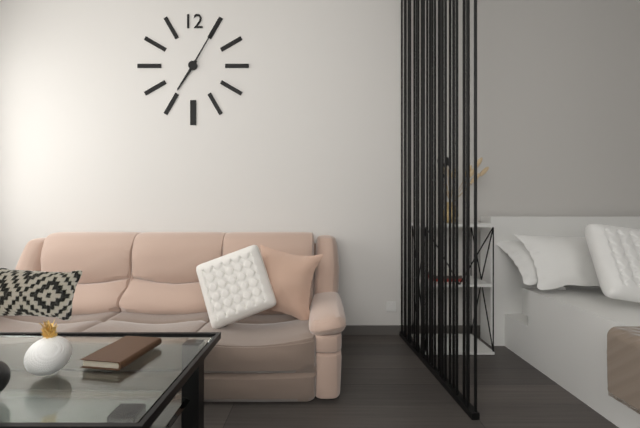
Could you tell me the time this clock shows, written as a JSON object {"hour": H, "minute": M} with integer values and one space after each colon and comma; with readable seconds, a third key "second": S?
{"hour": 7, "minute": 5}
